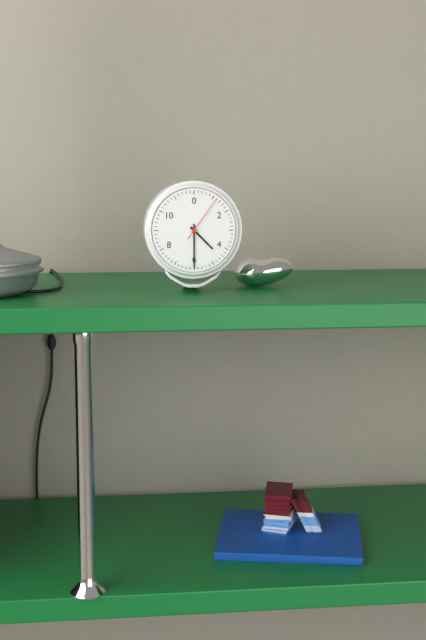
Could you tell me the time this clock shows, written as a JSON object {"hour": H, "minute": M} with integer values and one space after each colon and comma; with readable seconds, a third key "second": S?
{"hour": 4, "minute": 30}
